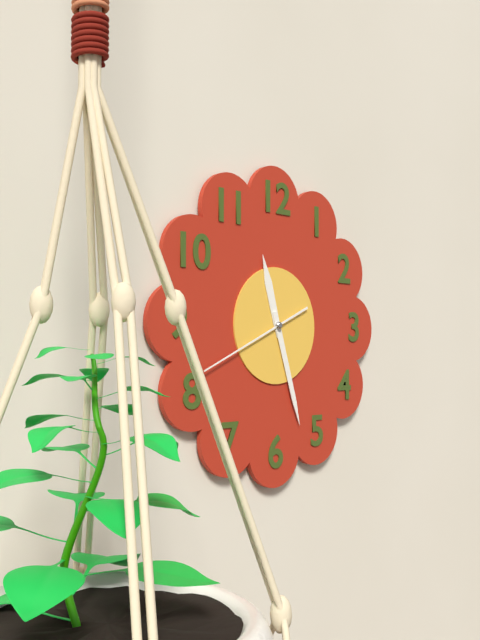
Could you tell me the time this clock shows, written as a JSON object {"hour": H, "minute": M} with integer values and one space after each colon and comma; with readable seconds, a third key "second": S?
{"hour": 11, "minute": 27, "second": 41}
